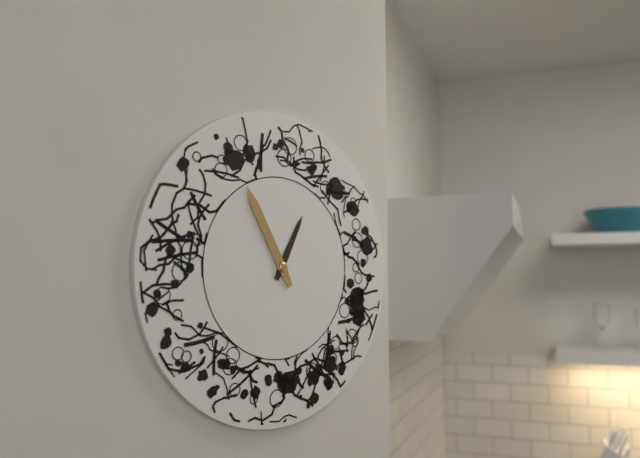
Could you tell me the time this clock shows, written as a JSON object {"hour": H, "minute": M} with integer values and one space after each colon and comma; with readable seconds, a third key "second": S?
{"hour": 12, "minute": 55}
